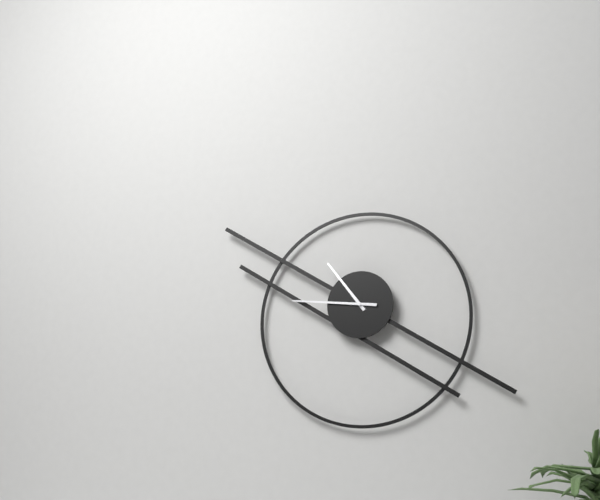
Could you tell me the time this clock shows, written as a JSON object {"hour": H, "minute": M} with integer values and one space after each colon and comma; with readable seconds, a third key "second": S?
{"hour": 10, "minute": 46}
